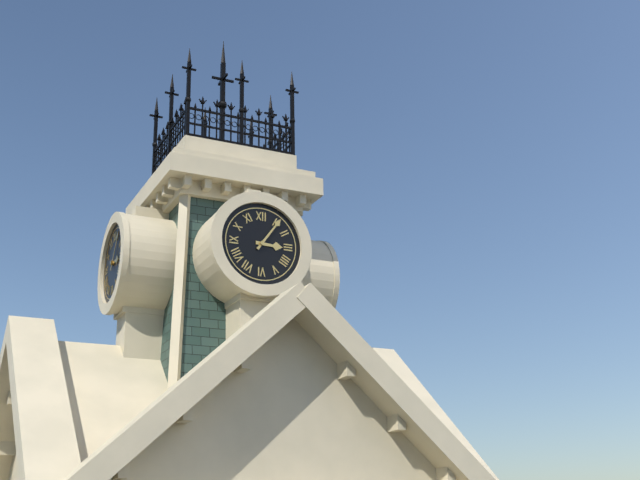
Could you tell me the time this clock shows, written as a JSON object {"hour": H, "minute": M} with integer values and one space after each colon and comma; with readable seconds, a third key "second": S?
{"hour": 3, "minute": 6}
